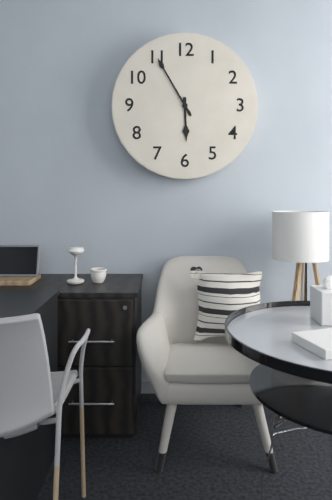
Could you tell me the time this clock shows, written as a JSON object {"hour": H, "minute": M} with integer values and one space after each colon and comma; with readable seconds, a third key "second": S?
{"hour": 5, "minute": 55}
